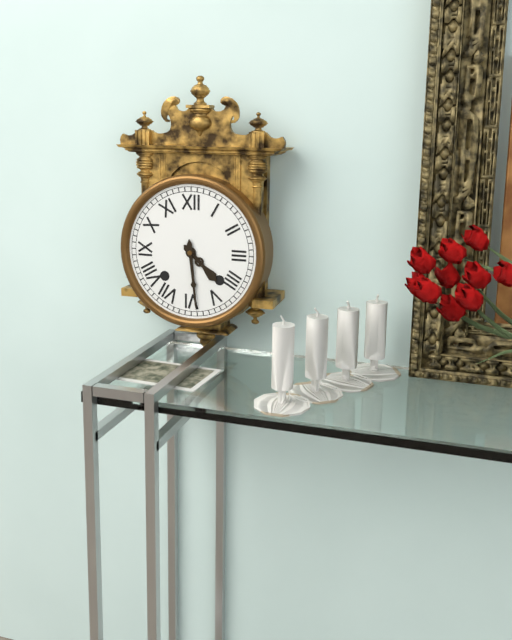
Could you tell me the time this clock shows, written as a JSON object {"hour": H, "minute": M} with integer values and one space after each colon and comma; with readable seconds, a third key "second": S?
{"hour": 4, "minute": 29}
